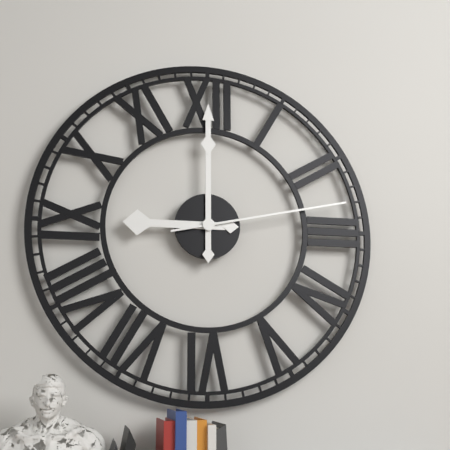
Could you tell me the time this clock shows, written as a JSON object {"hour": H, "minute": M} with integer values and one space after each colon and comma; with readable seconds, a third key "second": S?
{"hour": 9, "minute": 0, "second": 13}
